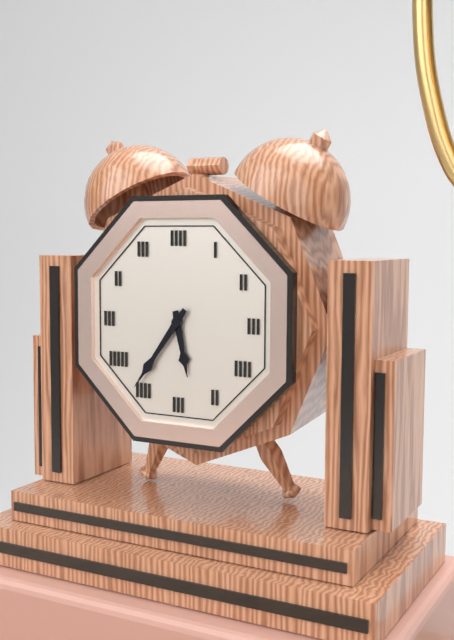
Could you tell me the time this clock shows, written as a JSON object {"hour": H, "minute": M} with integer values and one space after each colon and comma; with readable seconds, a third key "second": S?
{"hour": 5, "minute": 36}
